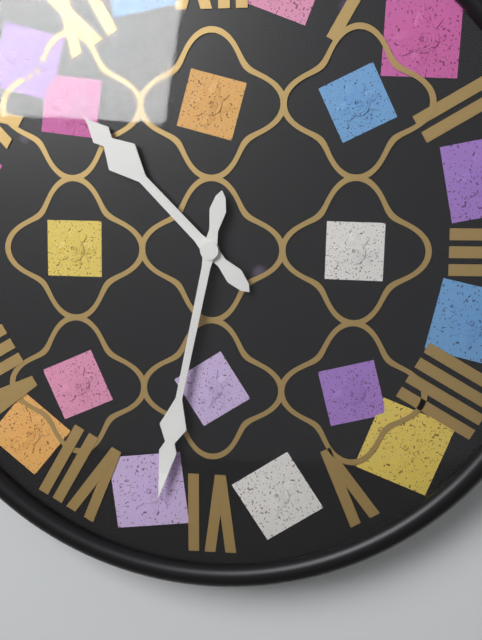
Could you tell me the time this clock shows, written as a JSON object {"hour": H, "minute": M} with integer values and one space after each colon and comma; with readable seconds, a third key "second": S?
{"hour": 10, "minute": 32}
